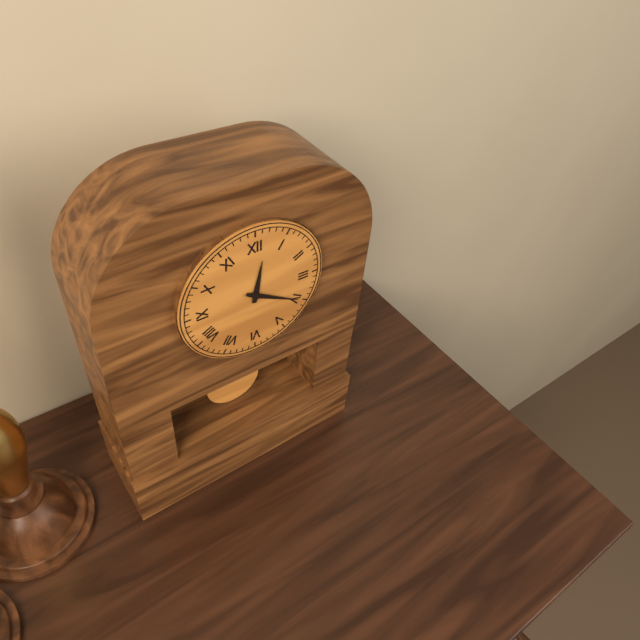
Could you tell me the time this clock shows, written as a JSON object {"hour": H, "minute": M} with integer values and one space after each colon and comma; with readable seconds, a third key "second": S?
{"hour": 12, "minute": 20}
